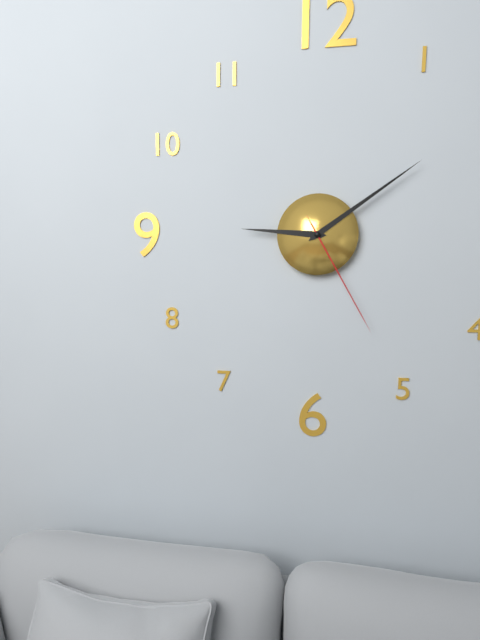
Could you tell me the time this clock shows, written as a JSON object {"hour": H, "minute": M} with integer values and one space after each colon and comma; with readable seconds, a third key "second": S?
{"hour": 9, "minute": 9, "second": 25}
